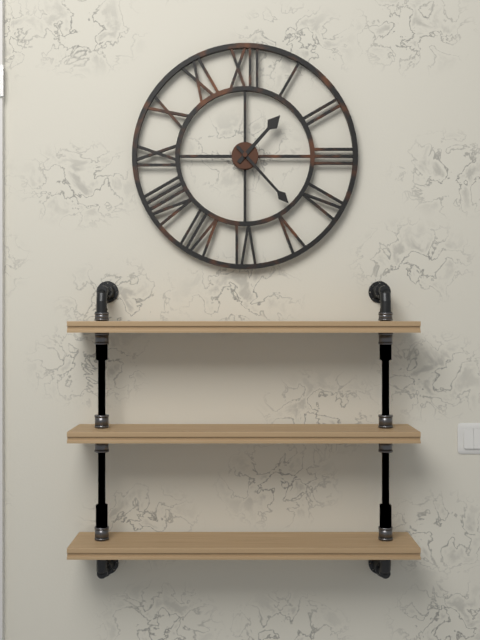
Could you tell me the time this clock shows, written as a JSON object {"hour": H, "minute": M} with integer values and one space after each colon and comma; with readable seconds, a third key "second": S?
{"hour": 1, "minute": 23}
